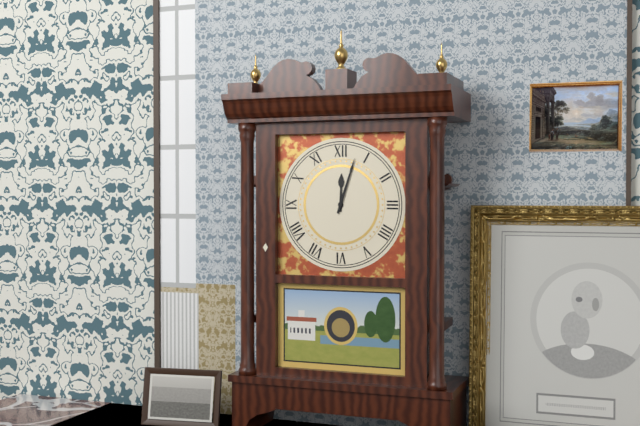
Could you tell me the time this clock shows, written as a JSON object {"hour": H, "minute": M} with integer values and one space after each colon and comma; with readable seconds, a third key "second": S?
{"hour": 12, "minute": 3}
